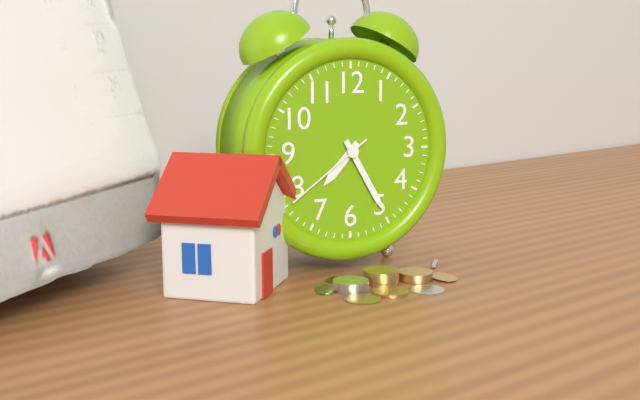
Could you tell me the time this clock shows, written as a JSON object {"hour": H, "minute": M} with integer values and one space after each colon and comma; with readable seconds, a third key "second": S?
{"hour": 7, "minute": 25, "second": 39}
